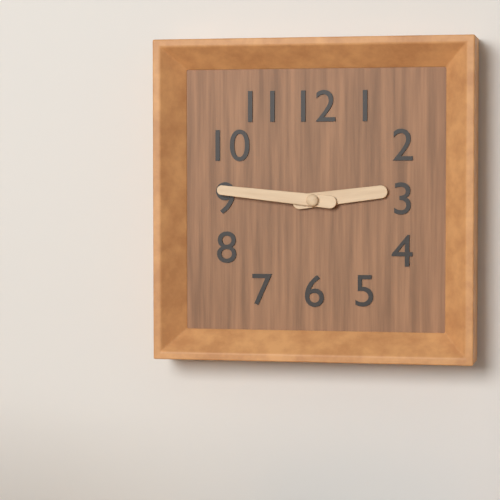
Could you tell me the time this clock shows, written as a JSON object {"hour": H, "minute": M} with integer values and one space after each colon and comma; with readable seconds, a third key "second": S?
{"hour": 2, "minute": 46}
